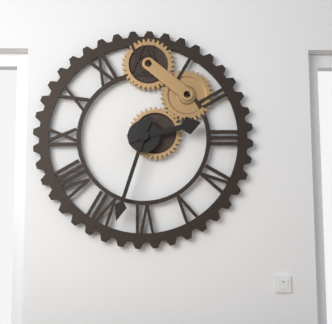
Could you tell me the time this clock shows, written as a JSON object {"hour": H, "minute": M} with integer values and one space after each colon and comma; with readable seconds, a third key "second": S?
{"hour": 2, "minute": 33}
